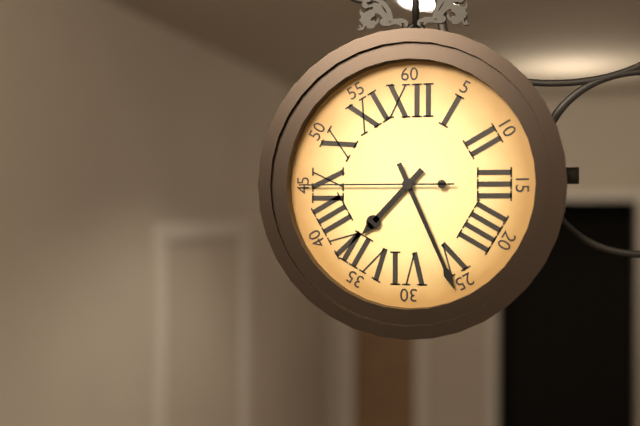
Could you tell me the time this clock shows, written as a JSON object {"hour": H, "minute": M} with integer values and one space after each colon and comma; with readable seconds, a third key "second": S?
{"hour": 7, "minute": 26, "second": 45}
